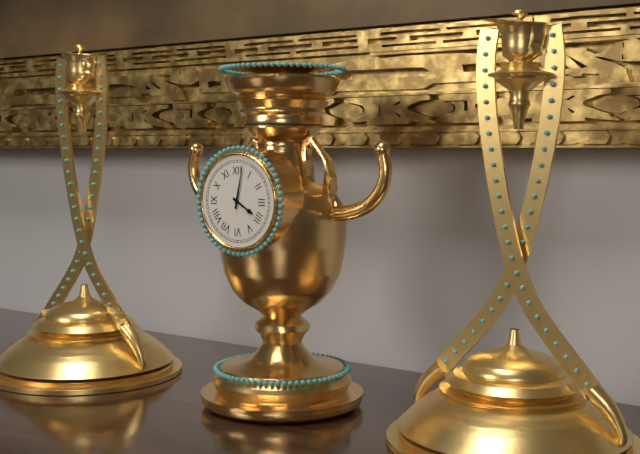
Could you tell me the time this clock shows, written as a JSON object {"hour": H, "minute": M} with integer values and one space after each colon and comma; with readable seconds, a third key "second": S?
{"hour": 4, "minute": 2}
